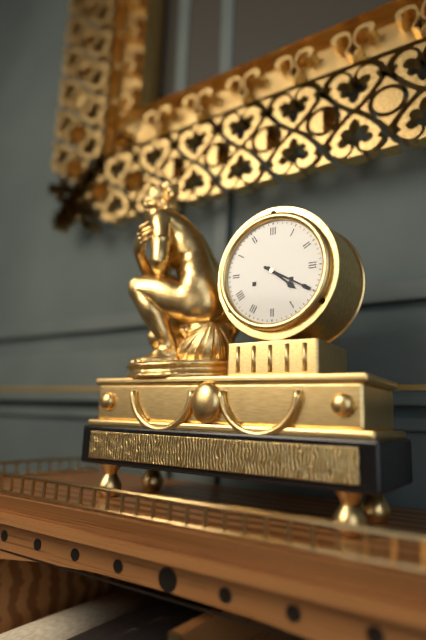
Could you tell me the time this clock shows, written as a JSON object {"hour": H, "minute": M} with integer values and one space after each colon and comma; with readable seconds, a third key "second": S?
{"hour": 4, "minute": 20}
